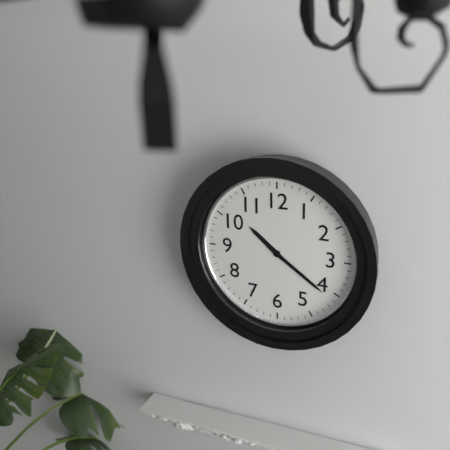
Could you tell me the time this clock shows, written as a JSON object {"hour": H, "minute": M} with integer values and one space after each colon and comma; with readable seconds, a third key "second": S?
{"hour": 10, "minute": 21}
